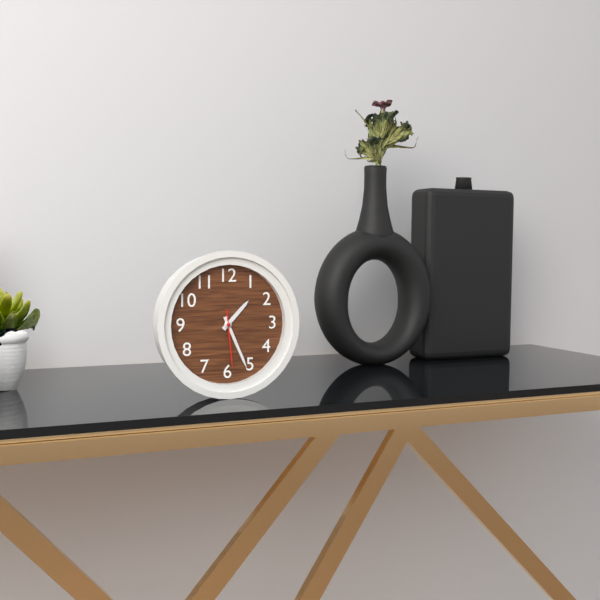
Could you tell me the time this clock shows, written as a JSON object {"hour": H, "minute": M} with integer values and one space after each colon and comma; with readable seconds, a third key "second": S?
{"hour": 1, "minute": 26, "second": 29}
